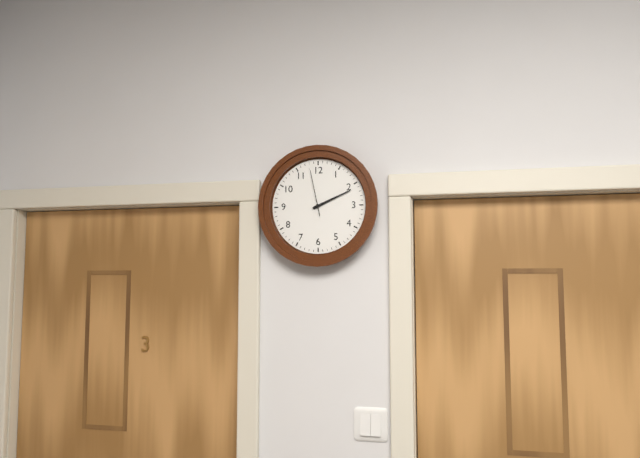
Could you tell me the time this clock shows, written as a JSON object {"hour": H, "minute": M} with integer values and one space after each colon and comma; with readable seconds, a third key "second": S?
{"hour": 2, "minute": 11}
